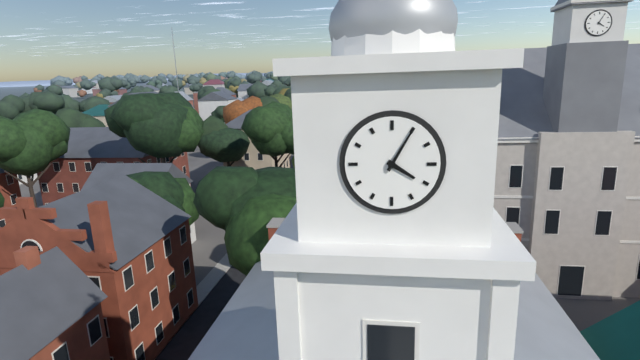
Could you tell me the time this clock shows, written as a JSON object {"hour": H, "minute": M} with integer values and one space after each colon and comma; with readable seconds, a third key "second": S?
{"hour": 4, "minute": 5}
